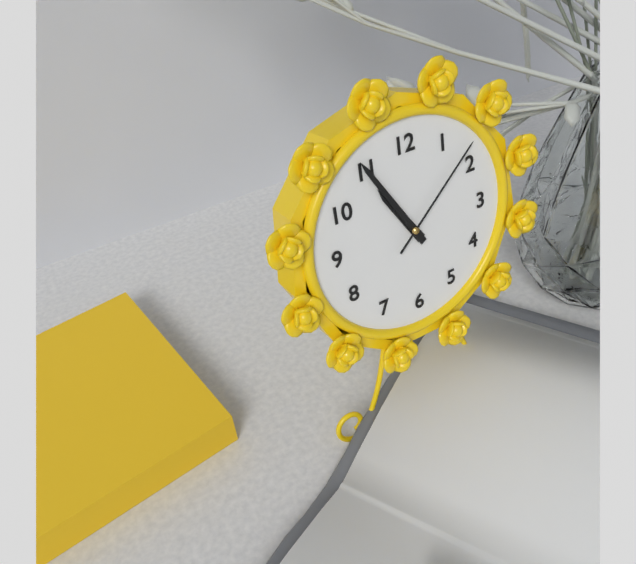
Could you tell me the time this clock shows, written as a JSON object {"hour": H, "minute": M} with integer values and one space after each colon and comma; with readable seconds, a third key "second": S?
{"hour": 10, "minute": 55, "second": 8}
